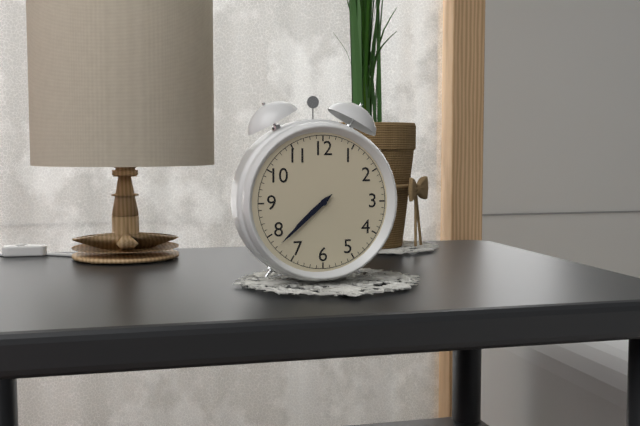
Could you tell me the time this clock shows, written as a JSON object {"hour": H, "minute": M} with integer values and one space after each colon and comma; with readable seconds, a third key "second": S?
{"hour": 7, "minute": 38}
